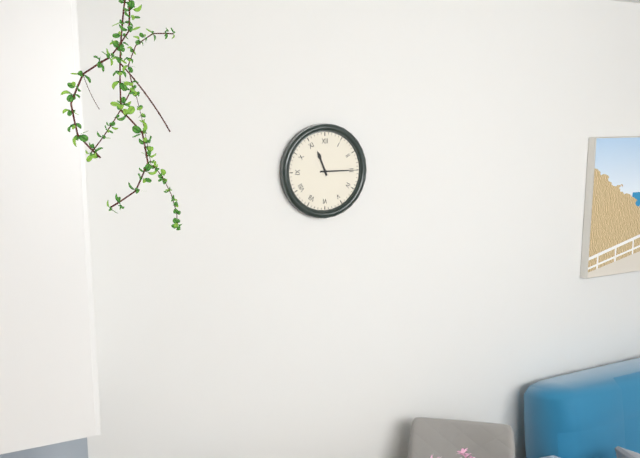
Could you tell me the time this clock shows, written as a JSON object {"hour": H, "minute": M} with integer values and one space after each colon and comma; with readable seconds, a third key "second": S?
{"hour": 11, "minute": 15}
